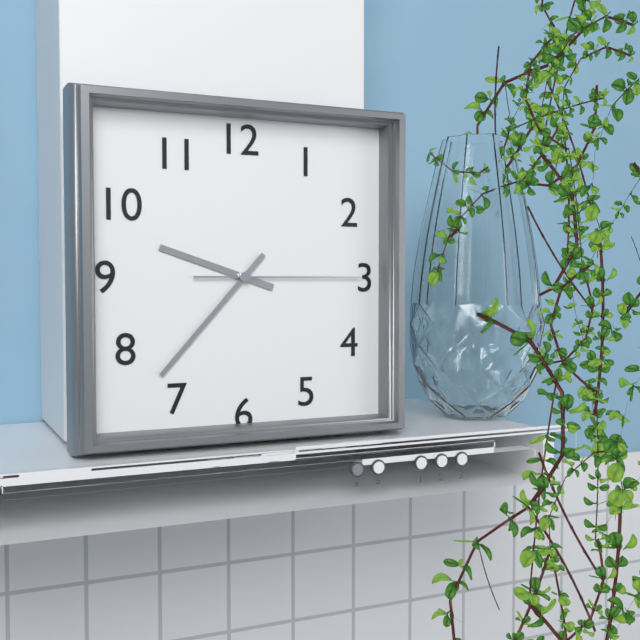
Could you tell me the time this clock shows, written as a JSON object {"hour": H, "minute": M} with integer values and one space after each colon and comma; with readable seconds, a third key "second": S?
{"hour": 9, "minute": 37, "second": 15}
